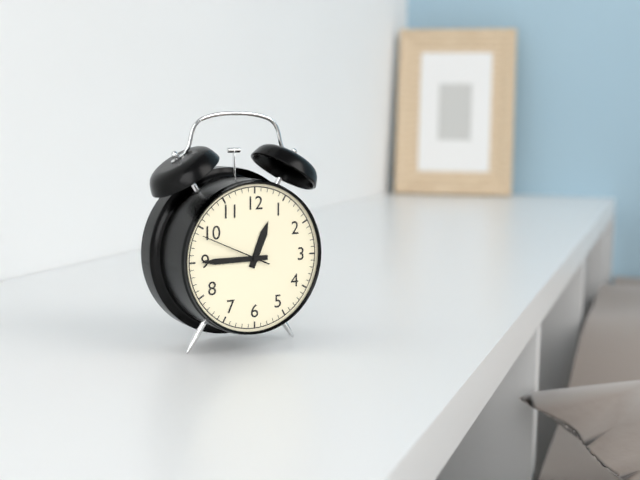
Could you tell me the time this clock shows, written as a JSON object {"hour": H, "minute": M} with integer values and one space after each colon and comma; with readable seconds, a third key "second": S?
{"hour": 12, "minute": 45, "second": 49}
